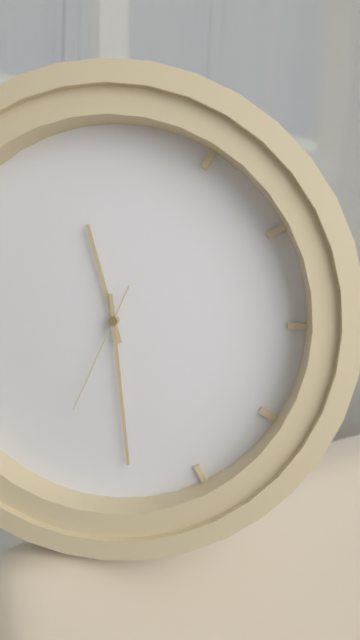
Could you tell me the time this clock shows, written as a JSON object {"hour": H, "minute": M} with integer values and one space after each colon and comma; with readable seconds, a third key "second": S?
{"hour": 11, "minute": 29, "second": 34}
